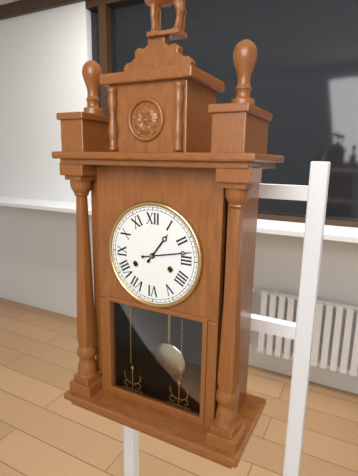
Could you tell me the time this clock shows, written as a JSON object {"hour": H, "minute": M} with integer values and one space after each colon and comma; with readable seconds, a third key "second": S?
{"hour": 1, "minute": 13}
